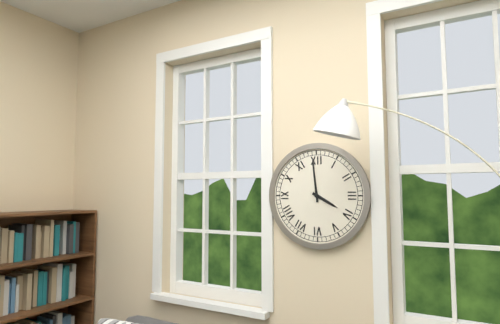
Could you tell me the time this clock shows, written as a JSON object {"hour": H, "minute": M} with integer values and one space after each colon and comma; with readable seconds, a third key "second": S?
{"hour": 3, "minute": 59}
